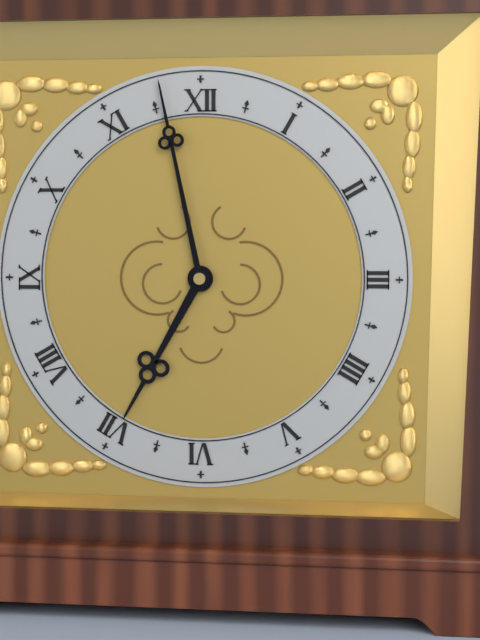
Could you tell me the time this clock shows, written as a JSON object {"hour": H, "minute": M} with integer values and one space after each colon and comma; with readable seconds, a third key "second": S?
{"hour": 6, "minute": 58}
